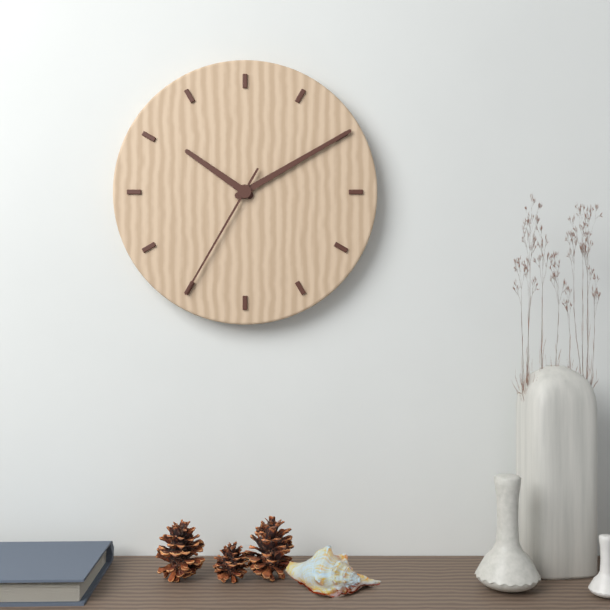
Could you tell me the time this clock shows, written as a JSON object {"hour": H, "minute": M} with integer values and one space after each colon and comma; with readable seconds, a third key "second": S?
{"hour": 10, "minute": 10, "second": 35}
